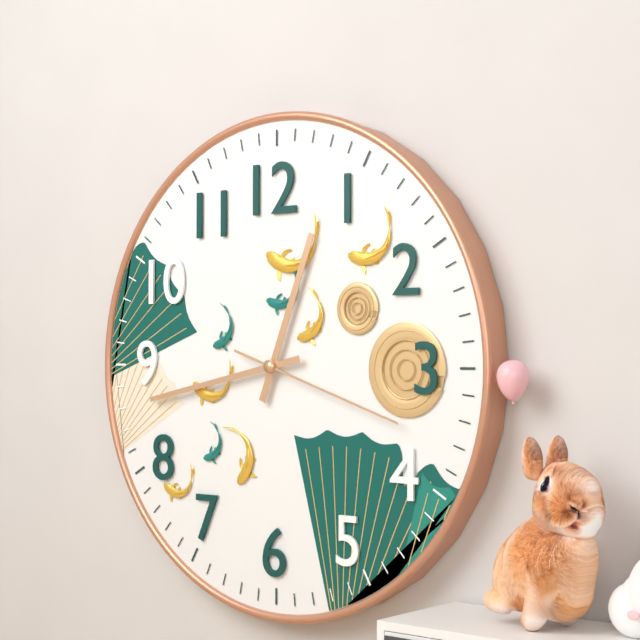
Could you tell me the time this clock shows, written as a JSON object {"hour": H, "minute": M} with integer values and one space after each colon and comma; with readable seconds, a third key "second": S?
{"hour": 12, "minute": 43, "second": 18}
